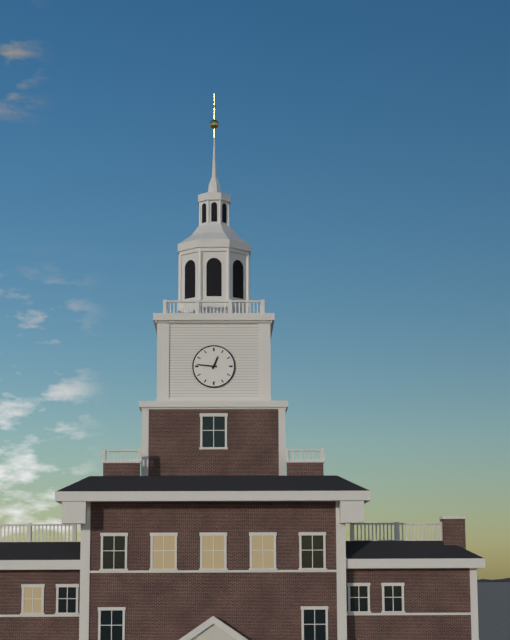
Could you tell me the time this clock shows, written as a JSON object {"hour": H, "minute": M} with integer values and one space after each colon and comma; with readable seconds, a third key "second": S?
{"hour": 12, "minute": 46}
